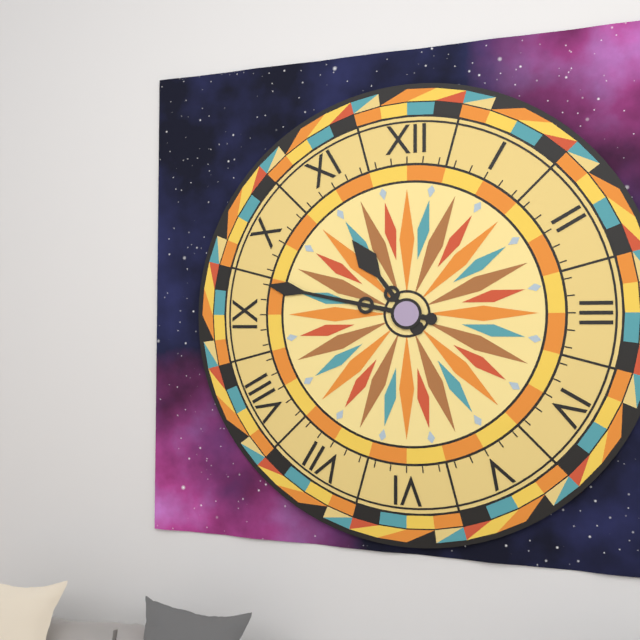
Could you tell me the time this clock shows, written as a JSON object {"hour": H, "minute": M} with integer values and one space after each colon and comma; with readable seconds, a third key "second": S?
{"hour": 10, "minute": 47}
